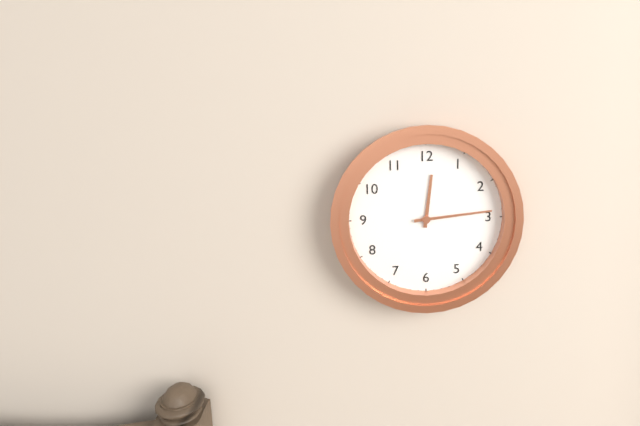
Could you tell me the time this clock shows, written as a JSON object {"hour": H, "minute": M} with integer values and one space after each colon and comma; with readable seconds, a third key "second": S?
{"hour": 12, "minute": 14}
